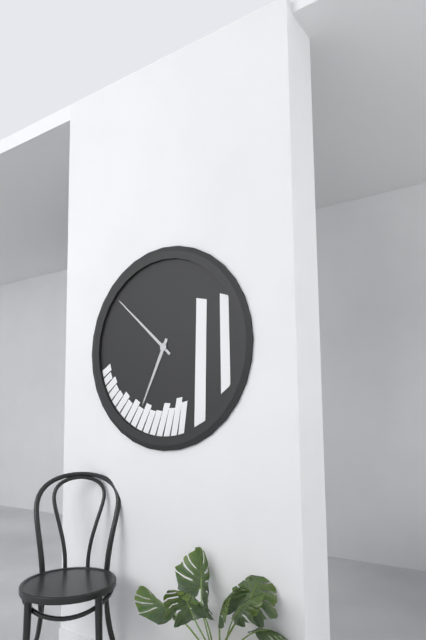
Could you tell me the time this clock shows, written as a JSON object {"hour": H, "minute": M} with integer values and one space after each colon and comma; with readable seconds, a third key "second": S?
{"hour": 6, "minute": 52}
